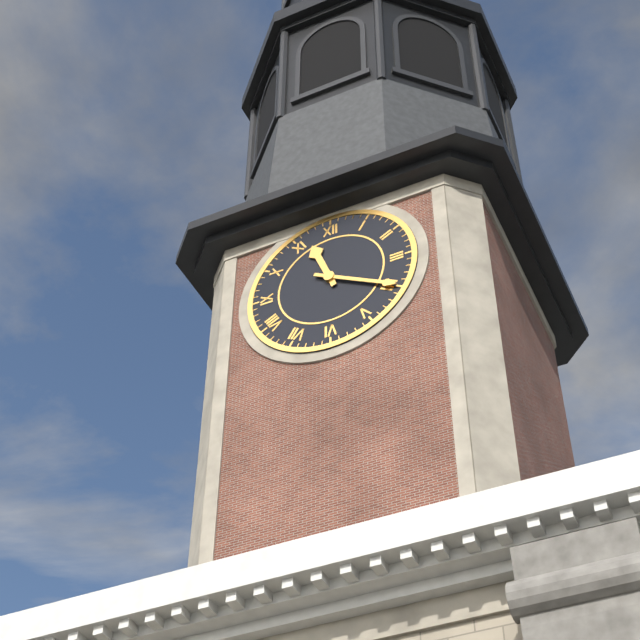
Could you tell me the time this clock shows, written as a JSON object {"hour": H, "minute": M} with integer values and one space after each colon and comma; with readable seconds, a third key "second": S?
{"hour": 11, "minute": 20}
